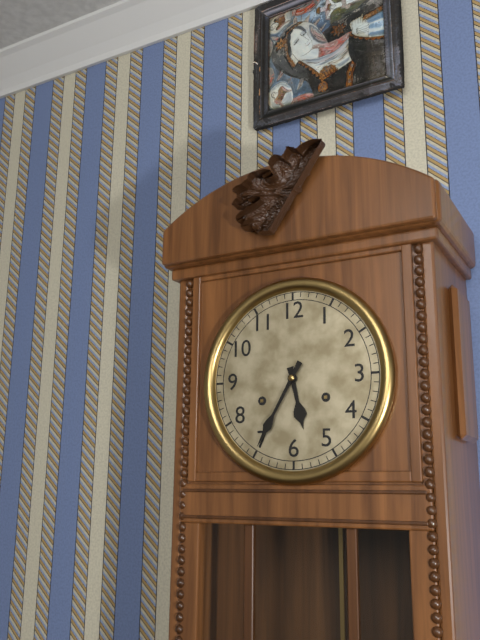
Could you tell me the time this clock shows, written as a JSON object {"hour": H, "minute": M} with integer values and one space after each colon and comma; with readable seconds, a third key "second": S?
{"hour": 5, "minute": 35}
